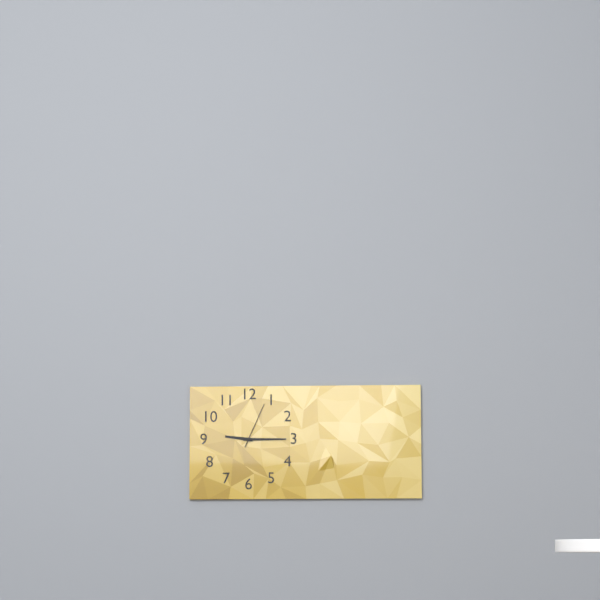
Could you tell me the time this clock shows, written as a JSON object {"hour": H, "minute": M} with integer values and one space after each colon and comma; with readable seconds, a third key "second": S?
{"hour": 9, "minute": 15}
